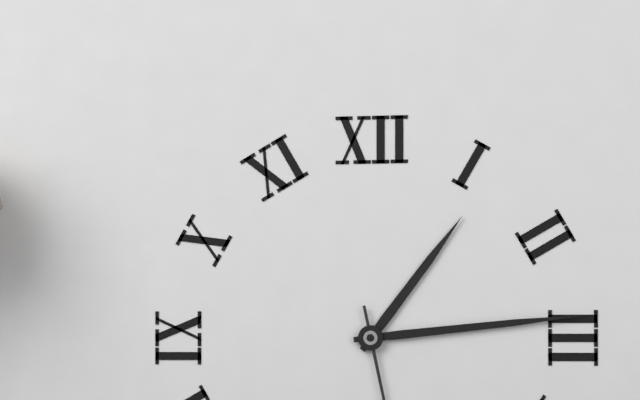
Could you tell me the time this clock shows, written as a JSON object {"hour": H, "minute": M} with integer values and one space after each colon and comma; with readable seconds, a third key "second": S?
{"hour": 1, "minute": 14}
